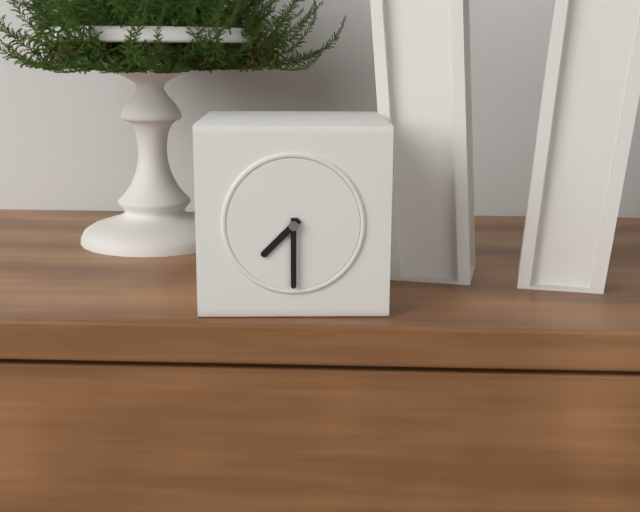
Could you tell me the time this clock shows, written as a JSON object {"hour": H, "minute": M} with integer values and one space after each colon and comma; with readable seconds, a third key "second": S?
{"hour": 7, "minute": 30}
